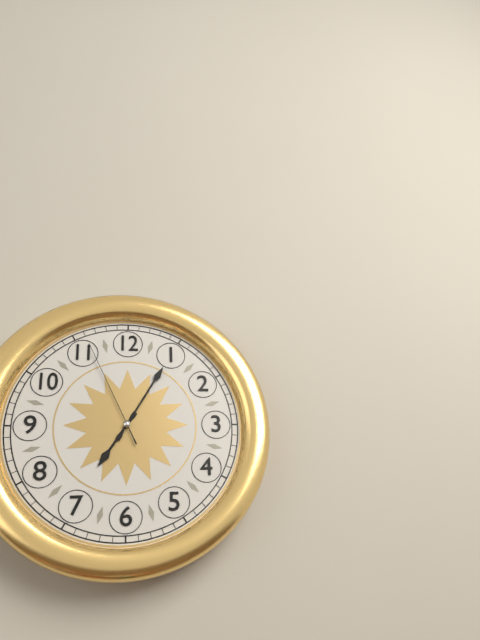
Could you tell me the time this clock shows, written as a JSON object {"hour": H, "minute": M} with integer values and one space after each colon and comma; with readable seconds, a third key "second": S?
{"hour": 7, "minute": 5, "second": 56}
